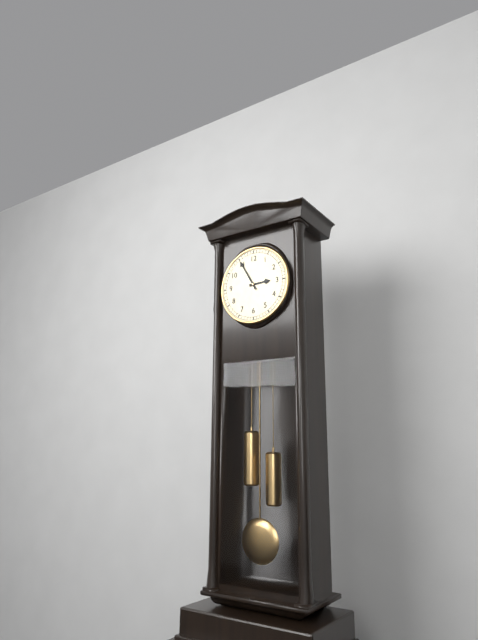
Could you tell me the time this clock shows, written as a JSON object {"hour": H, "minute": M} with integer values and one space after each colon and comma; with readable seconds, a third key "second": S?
{"hour": 2, "minute": 55}
